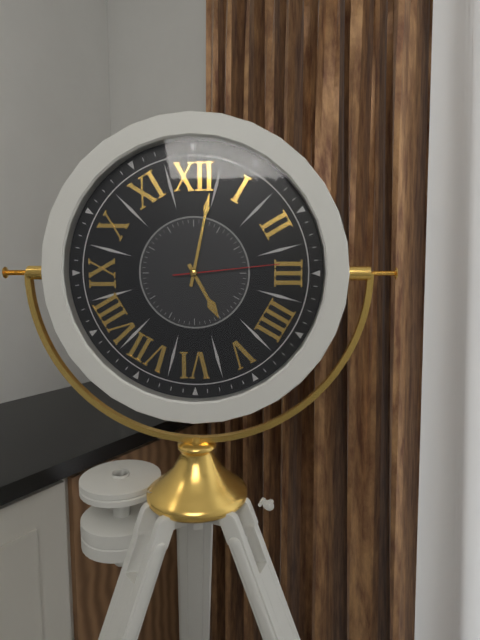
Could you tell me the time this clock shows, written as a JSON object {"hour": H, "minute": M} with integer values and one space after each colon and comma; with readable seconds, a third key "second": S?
{"hour": 5, "minute": 2, "second": 14}
